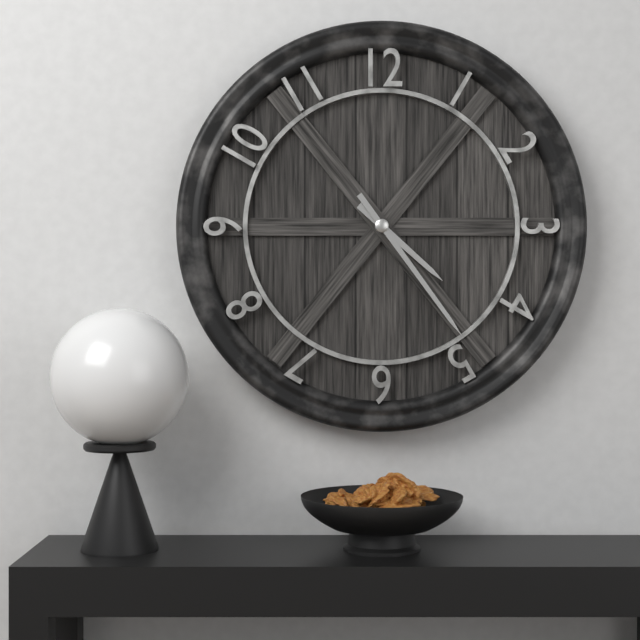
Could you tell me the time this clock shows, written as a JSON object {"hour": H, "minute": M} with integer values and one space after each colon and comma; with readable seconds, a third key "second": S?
{"hour": 4, "minute": 24}
